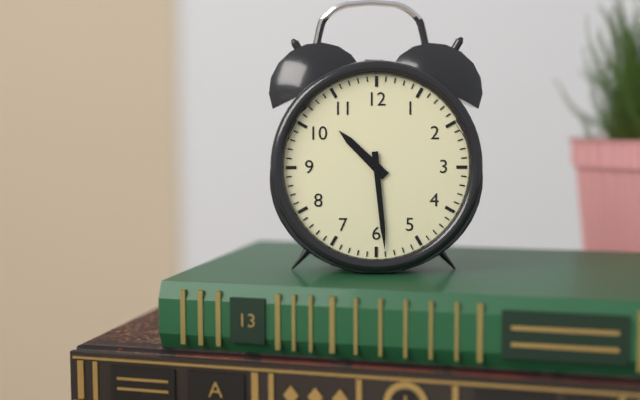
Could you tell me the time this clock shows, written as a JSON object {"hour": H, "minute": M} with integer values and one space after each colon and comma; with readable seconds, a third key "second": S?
{"hour": 10, "minute": 29}
